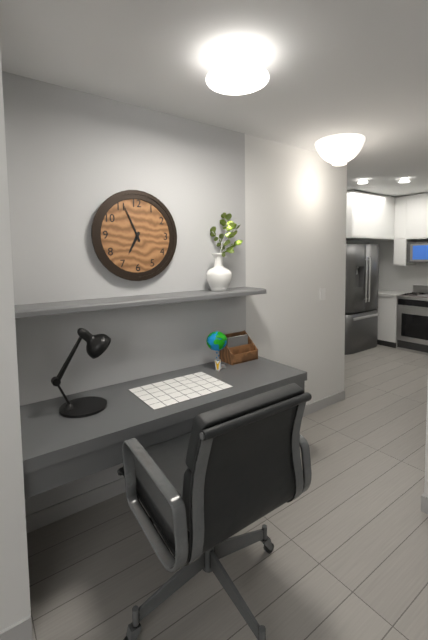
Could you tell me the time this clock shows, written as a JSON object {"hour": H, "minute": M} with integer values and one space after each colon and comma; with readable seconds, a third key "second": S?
{"hour": 6, "minute": 56}
